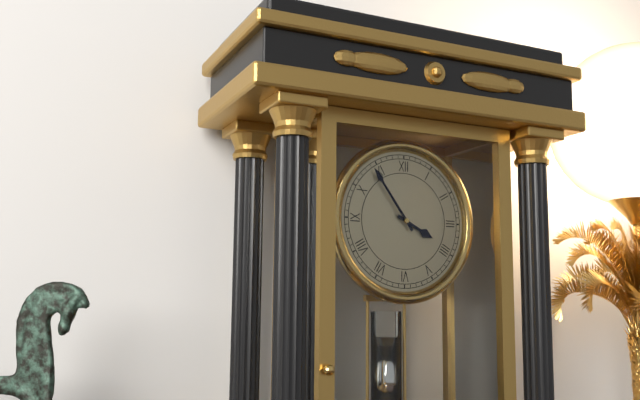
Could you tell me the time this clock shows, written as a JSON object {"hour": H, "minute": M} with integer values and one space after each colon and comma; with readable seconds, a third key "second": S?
{"hour": 3, "minute": 54}
